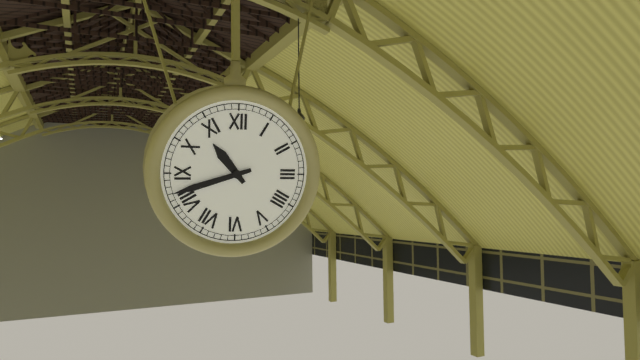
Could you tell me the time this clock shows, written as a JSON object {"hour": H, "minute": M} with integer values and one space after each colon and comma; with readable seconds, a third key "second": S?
{"hour": 10, "minute": 42}
